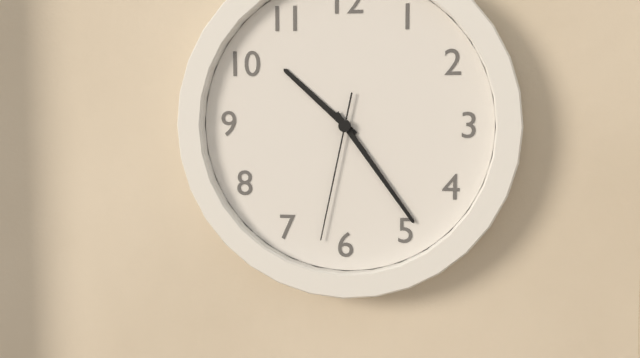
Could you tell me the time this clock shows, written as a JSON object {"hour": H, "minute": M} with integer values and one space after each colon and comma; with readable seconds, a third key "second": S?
{"hour": 10, "minute": 24, "second": 32}
